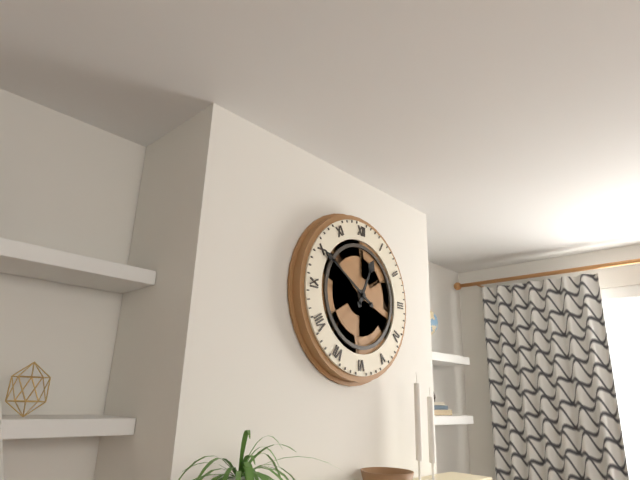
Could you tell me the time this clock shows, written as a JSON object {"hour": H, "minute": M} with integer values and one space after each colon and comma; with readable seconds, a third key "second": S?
{"hour": 12, "minute": 50}
